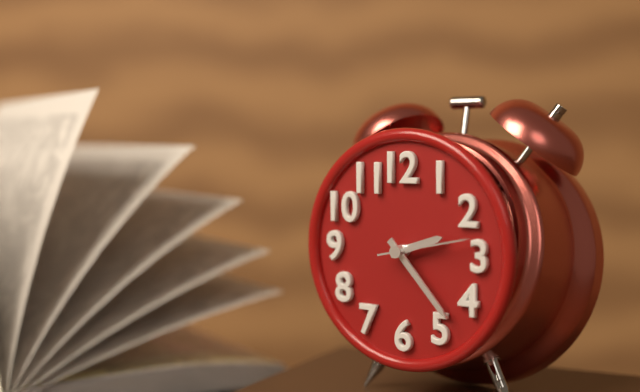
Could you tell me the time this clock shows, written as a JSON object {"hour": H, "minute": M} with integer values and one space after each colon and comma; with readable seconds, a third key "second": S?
{"hour": 2, "minute": 23, "second": 13}
